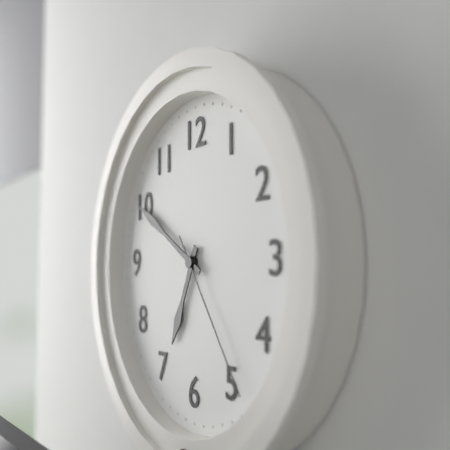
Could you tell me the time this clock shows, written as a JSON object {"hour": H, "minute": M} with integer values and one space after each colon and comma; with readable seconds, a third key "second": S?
{"hour": 6, "minute": 50, "second": 24}
